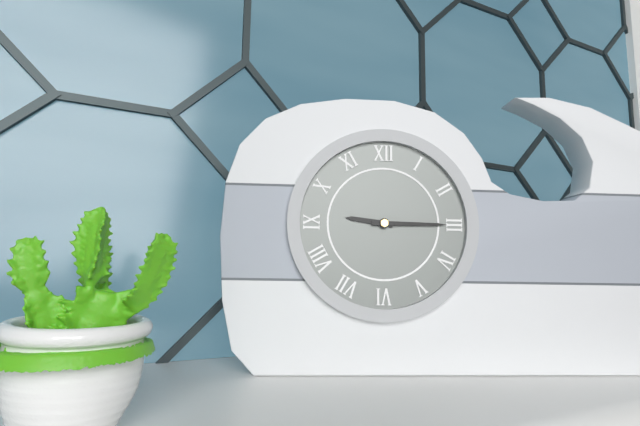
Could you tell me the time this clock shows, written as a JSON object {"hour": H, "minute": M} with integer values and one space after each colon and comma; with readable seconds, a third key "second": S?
{"hour": 9, "minute": 15}
